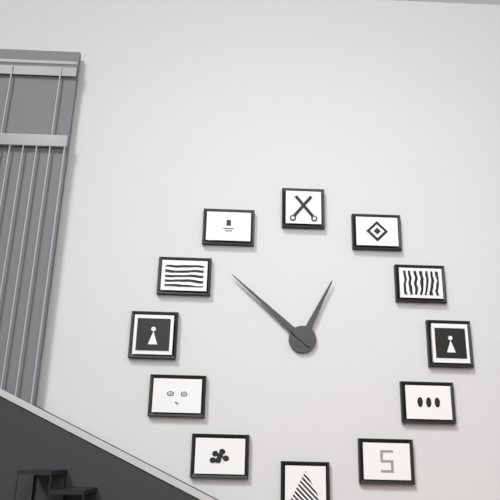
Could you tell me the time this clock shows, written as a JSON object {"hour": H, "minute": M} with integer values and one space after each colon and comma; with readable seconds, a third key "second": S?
{"hour": 12, "minute": 52}
